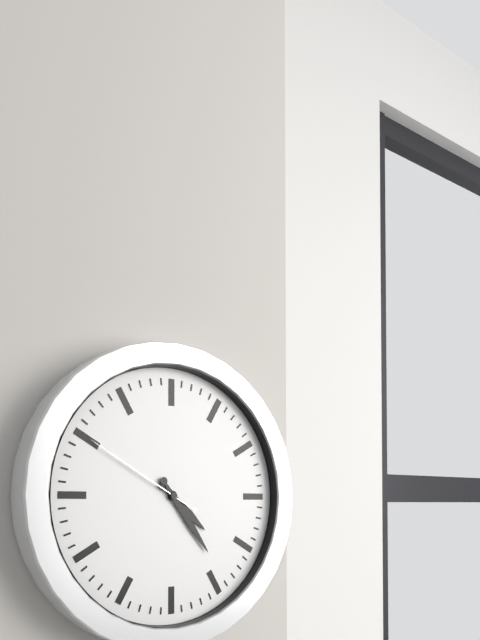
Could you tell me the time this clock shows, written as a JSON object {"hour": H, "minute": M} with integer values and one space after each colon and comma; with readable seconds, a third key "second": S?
{"hour": 4, "minute": 24, "second": 50}
